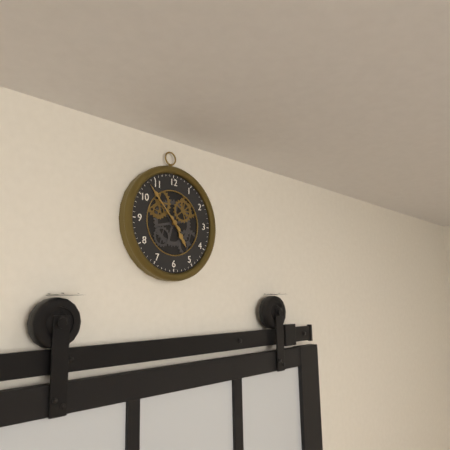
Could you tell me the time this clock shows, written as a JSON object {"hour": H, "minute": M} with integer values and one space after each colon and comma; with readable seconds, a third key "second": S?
{"hour": 4, "minute": 53}
